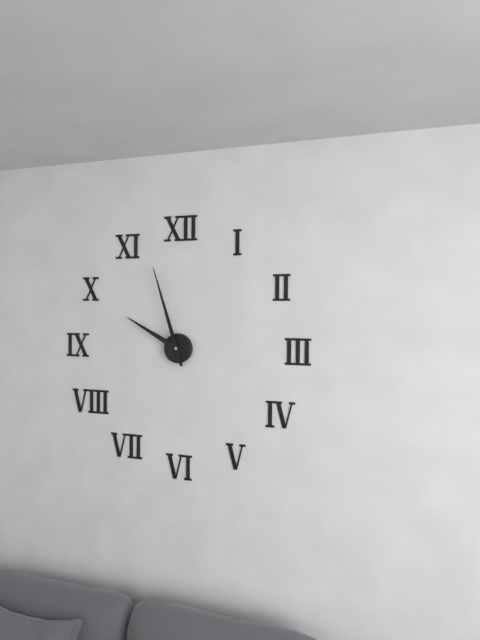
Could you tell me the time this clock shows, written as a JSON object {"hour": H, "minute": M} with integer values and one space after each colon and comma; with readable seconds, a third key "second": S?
{"hour": 9, "minute": 57}
